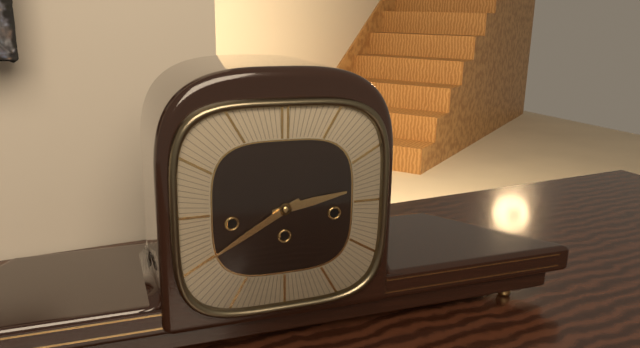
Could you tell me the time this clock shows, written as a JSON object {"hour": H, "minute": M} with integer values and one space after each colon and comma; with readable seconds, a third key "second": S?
{"hour": 2, "minute": 40}
